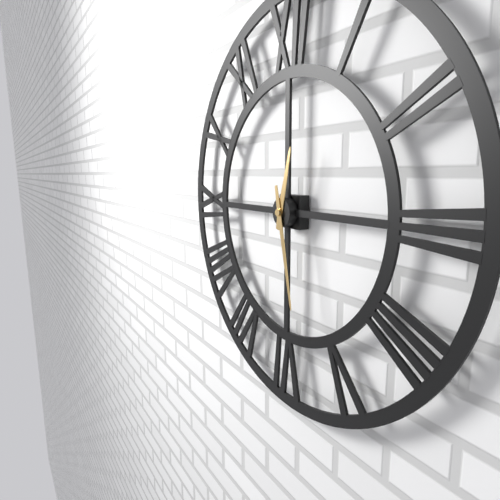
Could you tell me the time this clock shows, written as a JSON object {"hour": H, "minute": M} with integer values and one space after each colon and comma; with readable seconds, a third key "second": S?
{"hour": 12, "minute": 28}
